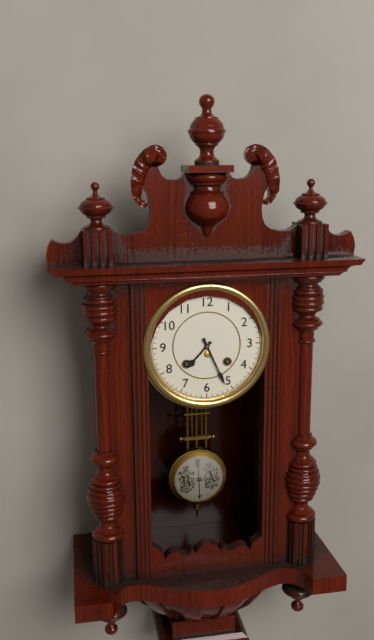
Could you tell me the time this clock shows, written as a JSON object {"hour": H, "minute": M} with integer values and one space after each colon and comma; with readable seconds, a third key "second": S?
{"hour": 7, "minute": 26}
